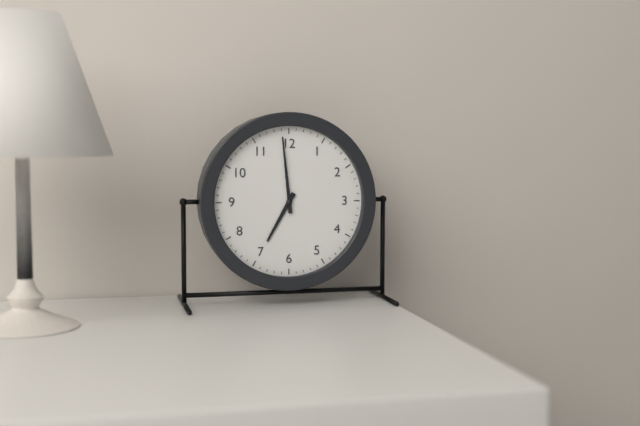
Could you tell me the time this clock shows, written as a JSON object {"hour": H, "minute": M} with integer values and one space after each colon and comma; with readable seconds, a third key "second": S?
{"hour": 6, "minute": 59}
